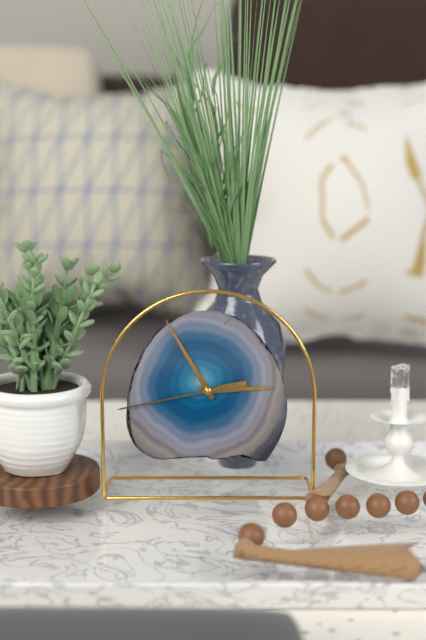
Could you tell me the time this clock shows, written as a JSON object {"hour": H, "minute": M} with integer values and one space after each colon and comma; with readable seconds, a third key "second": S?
{"hour": 2, "minute": 55, "second": 43}
